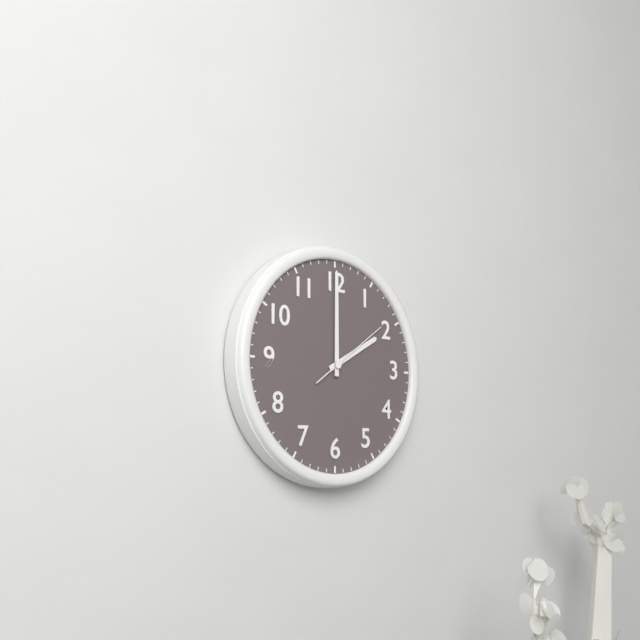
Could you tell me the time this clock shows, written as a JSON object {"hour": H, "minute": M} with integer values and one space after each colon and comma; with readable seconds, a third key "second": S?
{"hour": 2, "minute": 0, "second": 9}
